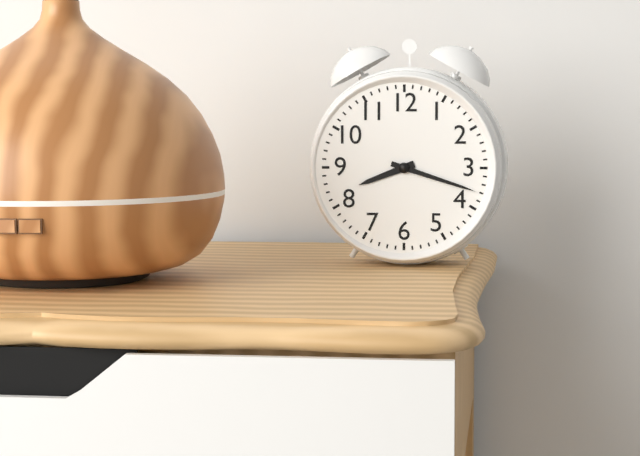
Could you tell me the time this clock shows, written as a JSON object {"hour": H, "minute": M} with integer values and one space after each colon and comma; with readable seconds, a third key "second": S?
{"hour": 8, "minute": 18}
